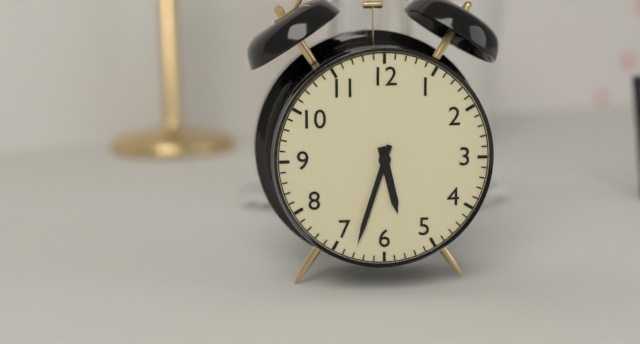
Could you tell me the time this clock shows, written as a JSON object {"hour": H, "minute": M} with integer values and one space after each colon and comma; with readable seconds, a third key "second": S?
{"hour": 5, "minute": 33}
